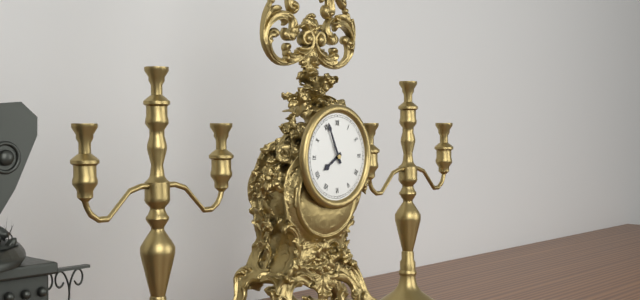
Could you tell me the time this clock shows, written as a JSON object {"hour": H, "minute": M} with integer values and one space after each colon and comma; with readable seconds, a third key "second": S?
{"hour": 7, "minute": 56}
